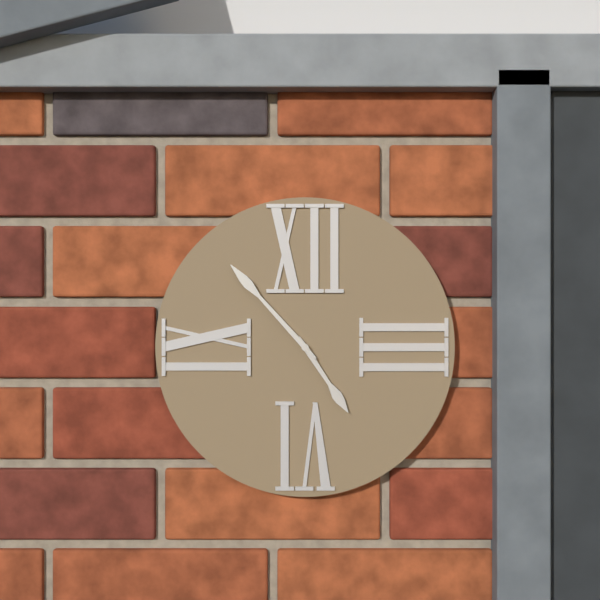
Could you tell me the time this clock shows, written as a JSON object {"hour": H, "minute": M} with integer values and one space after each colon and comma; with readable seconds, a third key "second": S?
{"hour": 4, "minute": 53}
